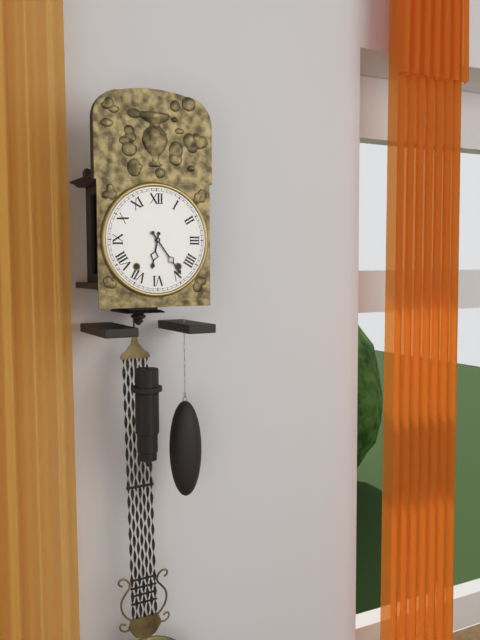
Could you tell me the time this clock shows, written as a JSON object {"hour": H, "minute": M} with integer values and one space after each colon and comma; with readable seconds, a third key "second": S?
{"hour": 6, "minute": 24}
